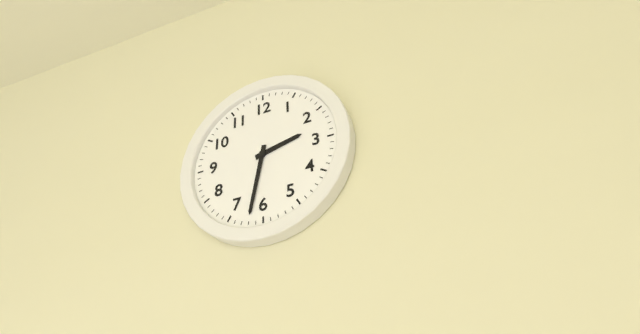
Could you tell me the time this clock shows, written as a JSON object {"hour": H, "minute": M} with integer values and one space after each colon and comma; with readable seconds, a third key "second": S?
{"hour": 2, "minute": 32}
